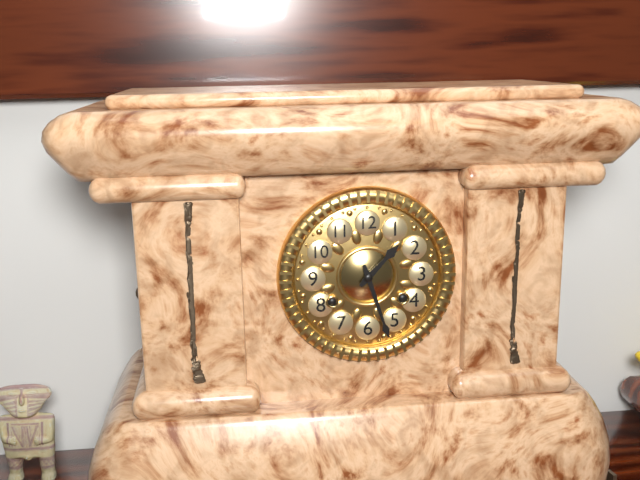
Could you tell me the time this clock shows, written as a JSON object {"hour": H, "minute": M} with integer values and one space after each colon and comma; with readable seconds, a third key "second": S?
{"hour": 1, "minute": 27}
